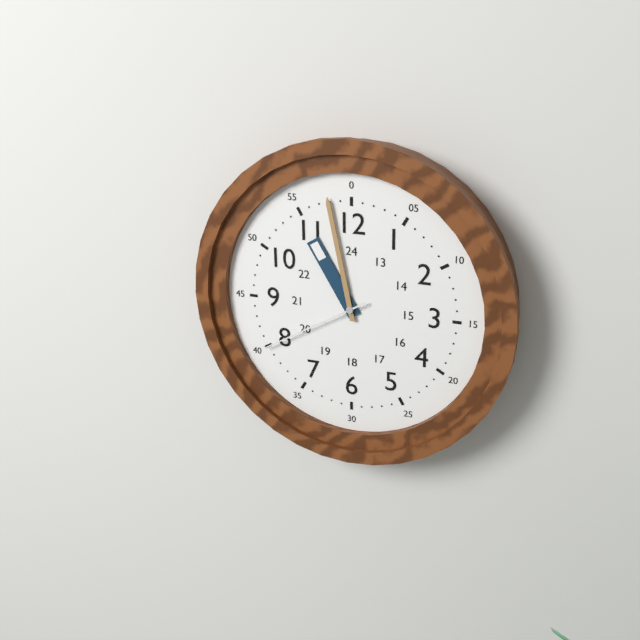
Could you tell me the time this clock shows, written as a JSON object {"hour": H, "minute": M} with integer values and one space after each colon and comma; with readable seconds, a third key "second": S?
{"hour": 10, "minute": 58, "second": 40}
